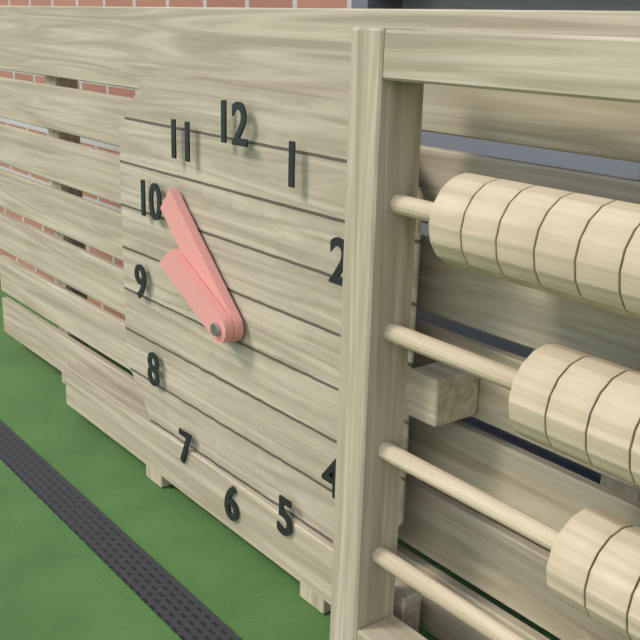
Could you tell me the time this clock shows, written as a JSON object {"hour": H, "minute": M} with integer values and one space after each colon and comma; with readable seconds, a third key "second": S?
{"hour": 9, "minute": 52}
